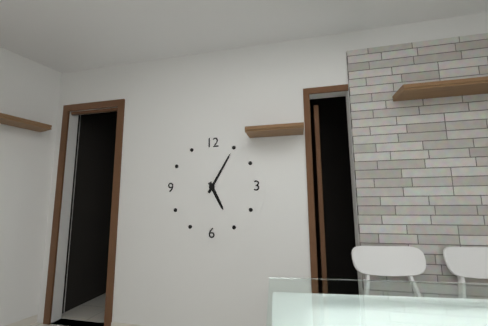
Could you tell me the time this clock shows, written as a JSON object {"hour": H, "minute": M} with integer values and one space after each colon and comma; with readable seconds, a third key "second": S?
{"hour": 5, "minute": 5}
